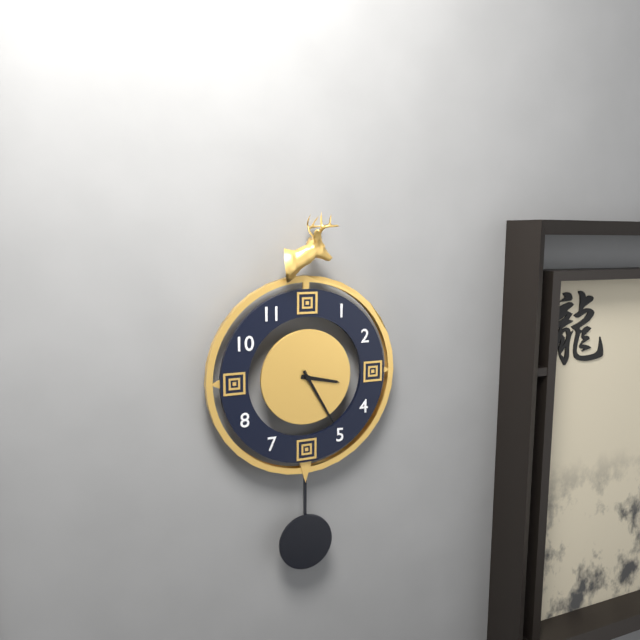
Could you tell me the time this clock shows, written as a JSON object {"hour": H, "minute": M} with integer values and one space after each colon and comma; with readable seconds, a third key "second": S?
{"hour": 3, "minute": 25}
